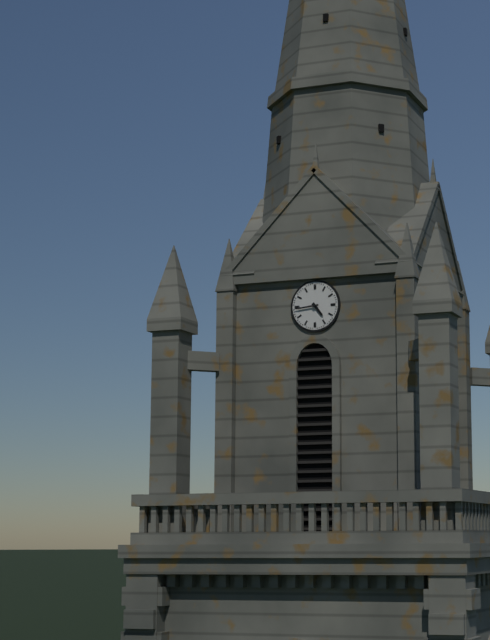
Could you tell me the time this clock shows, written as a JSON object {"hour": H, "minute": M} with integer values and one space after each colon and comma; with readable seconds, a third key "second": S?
{"hour": 4, "minute": 44}
